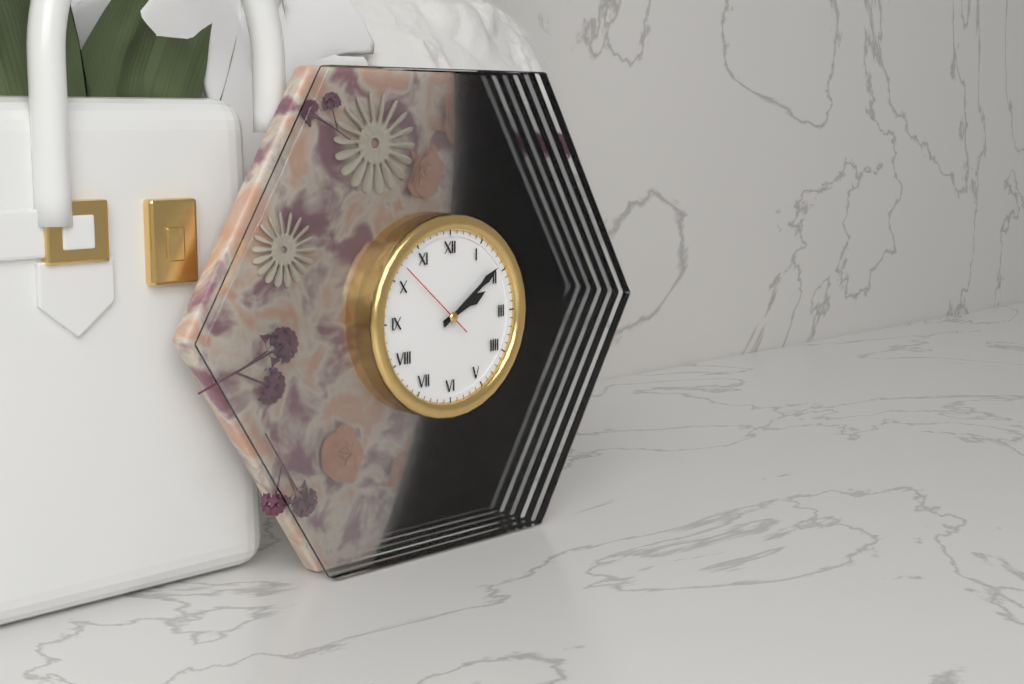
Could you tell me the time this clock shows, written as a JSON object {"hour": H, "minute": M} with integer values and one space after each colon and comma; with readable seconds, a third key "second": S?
{"hour": 2, "minute": 9, "second": 52}
